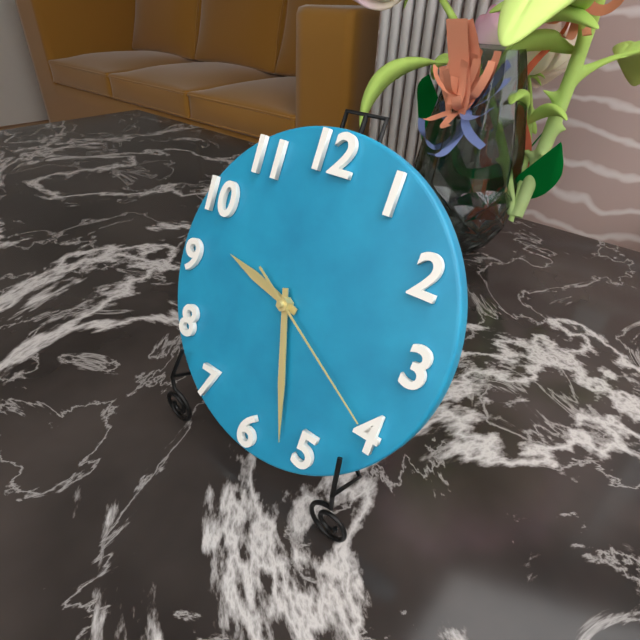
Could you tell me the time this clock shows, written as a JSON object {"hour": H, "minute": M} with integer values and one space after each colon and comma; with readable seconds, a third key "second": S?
{"hour": 9, "minute": 27, "second": 20}
